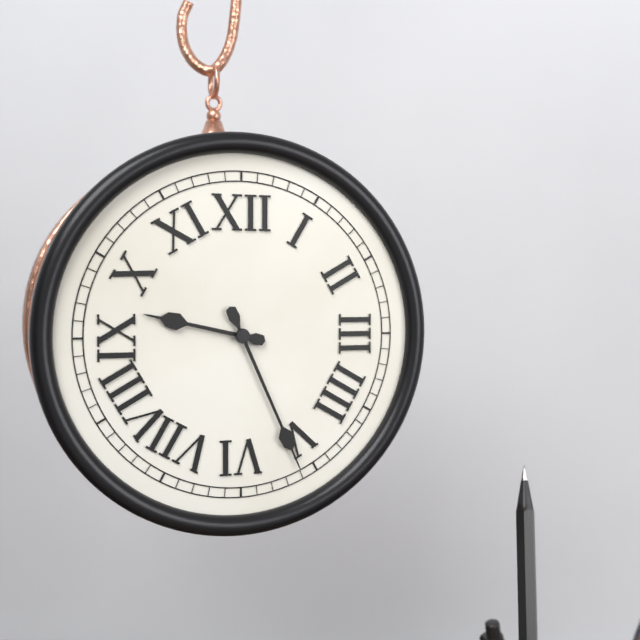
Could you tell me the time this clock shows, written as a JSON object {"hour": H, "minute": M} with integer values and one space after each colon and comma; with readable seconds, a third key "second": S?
{"hour": 9, "minute": 26}
